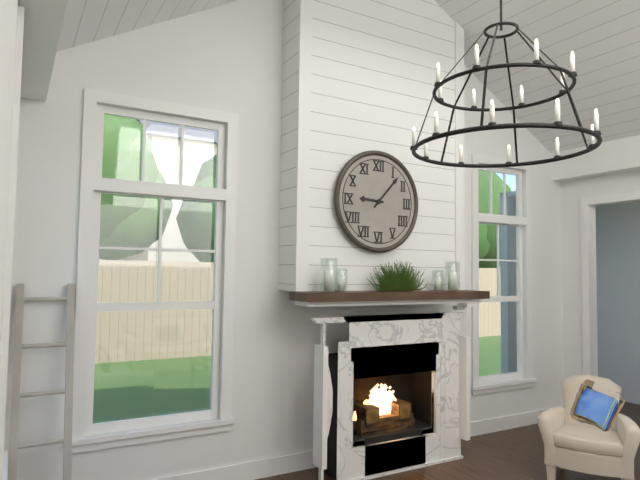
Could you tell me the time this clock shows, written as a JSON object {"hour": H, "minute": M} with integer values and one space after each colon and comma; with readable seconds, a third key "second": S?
{"hour": 9, "minute": 7}
